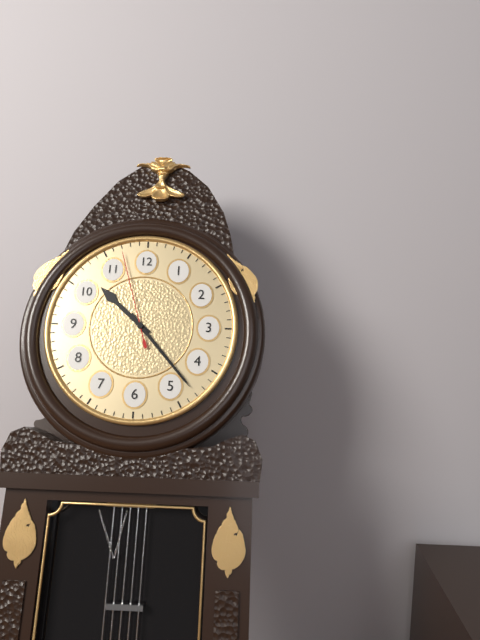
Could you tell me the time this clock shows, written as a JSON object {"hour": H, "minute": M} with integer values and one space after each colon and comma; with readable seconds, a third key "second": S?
{"hour": 10, "minute": 23, "second": 57}
